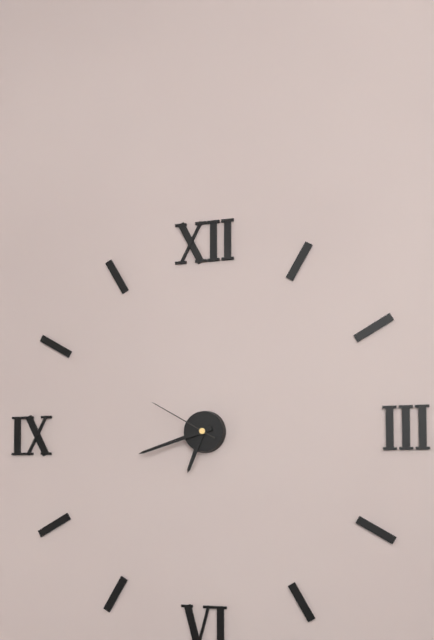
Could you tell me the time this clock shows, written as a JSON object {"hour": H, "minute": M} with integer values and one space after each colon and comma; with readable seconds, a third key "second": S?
{"hour": 6, "minute": 42, "second": 50}
